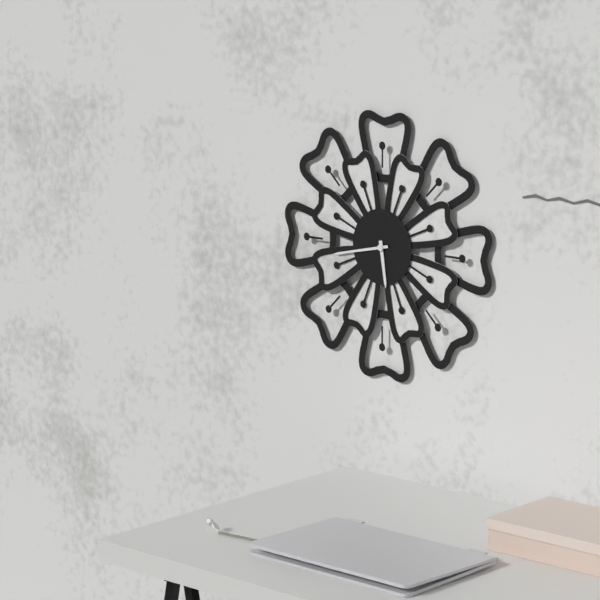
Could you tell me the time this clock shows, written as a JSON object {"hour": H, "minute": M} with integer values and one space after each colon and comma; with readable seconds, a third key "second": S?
{"hour": 5, "minute": 43}
